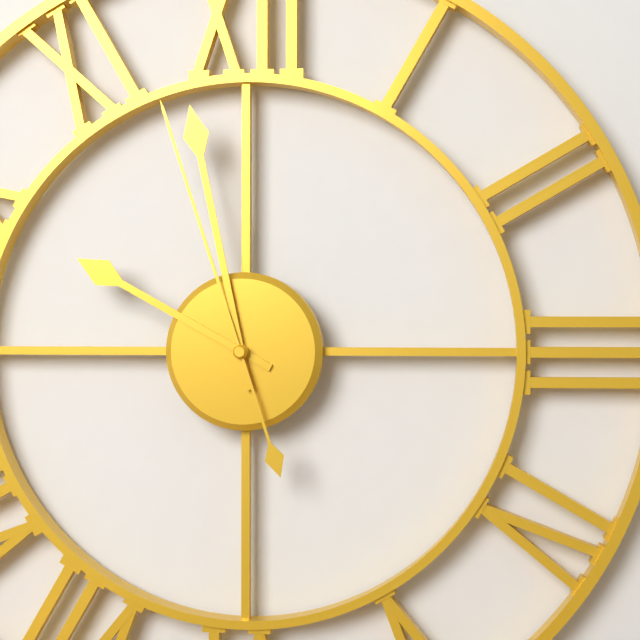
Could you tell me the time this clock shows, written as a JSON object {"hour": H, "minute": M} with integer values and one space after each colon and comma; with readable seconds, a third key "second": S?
{"hour": 9, "minute": 58, "second": 57}
